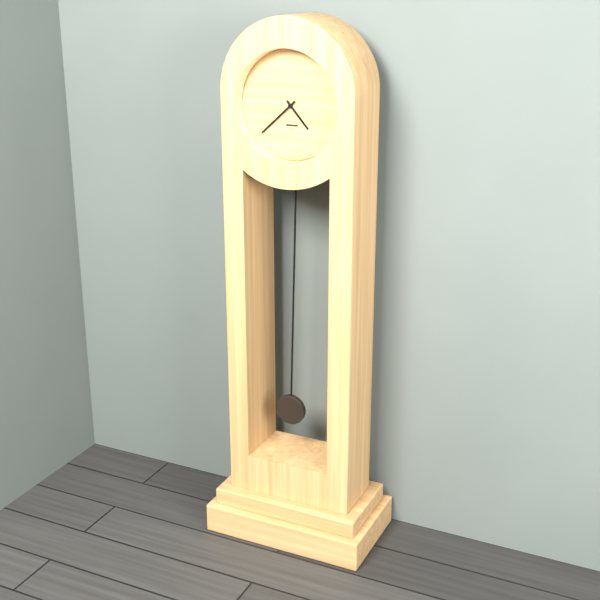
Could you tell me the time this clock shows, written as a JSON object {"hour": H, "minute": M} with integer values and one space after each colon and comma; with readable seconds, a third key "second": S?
{"hour": 4, "minute": 38}
